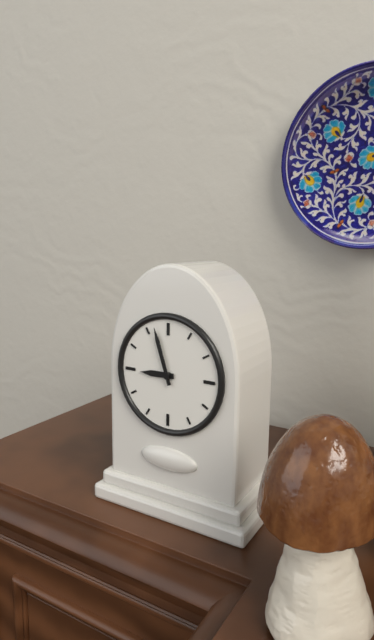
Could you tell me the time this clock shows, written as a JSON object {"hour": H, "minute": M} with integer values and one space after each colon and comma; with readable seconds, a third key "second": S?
{"hour": 8, "minute": 57}
